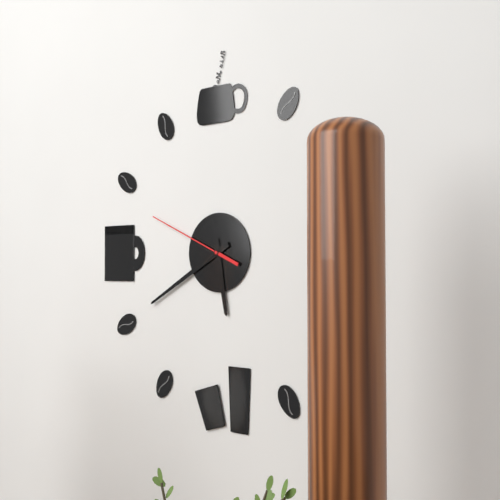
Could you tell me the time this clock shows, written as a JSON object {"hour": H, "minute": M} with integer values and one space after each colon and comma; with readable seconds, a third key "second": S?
{"hour": 5, "minute": 40, "second": 49}
